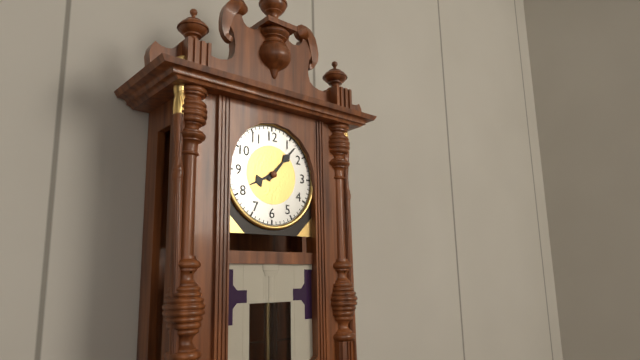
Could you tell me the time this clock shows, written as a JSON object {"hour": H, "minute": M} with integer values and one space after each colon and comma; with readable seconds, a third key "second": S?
{"hour": 8, "minute": 7}
